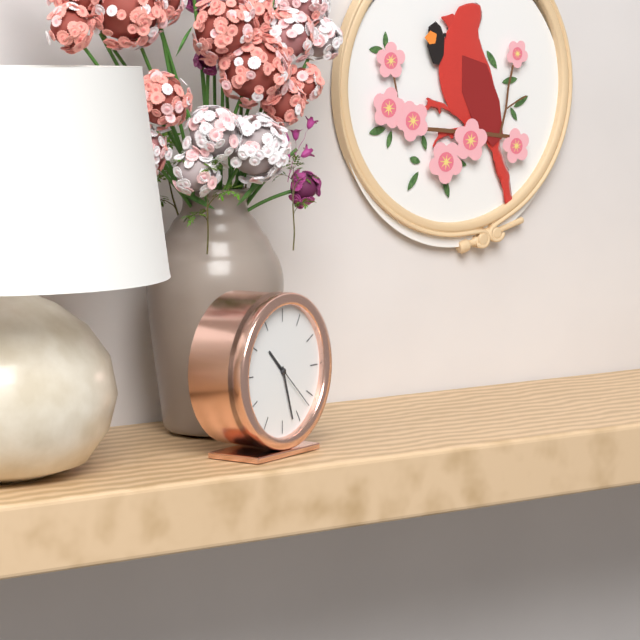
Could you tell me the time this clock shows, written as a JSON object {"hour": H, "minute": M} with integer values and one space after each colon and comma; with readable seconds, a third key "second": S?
{"hour": 10, "minute": 27, "second": 22}
